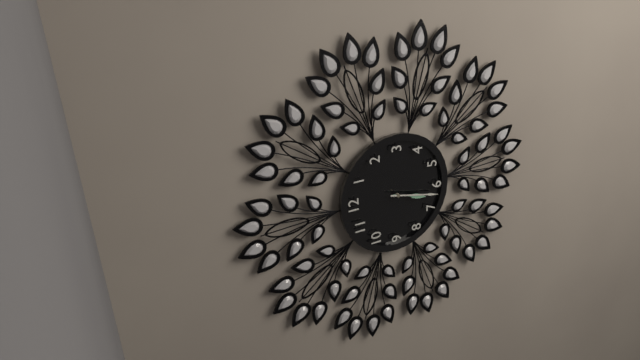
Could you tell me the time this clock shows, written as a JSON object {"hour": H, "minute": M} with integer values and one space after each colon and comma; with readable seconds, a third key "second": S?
{"hour": 6, "minute": 32}
